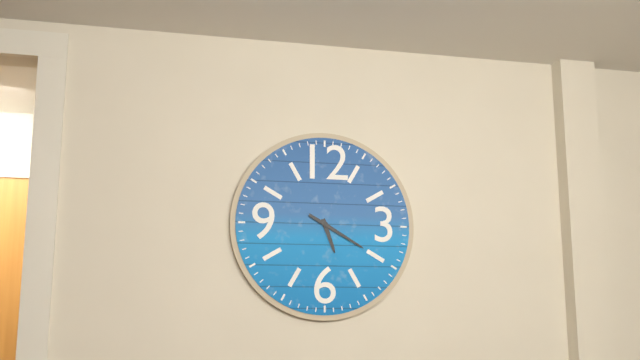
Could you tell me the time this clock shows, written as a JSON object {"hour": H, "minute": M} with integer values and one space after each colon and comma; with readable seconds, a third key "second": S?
{"hour": 5, "minute": 20}
